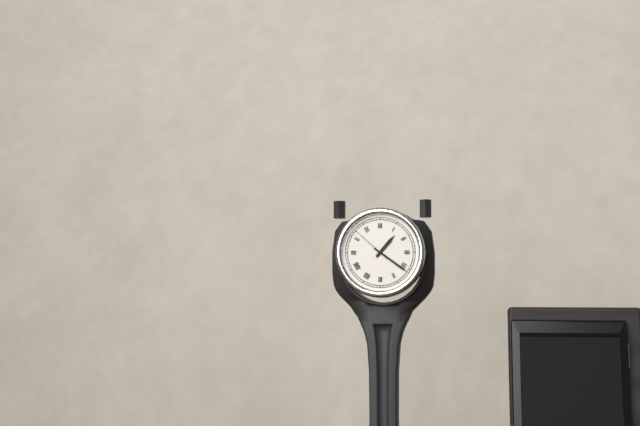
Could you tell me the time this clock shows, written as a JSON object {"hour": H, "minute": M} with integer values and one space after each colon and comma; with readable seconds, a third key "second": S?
{"hour": 1, "minute": 21}
